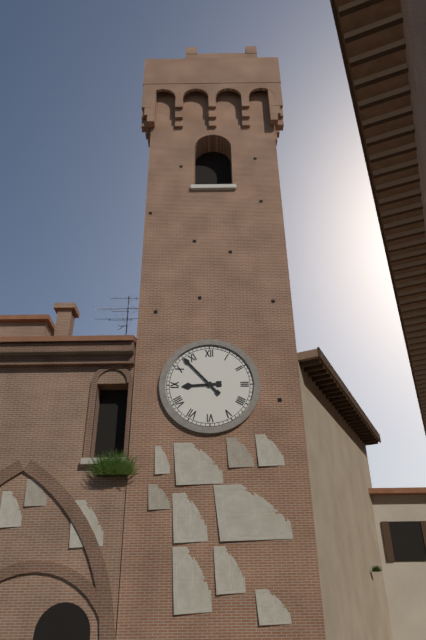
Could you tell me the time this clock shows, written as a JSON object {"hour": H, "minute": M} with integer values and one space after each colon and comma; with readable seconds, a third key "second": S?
{"hour": 8, "minute": 53}
